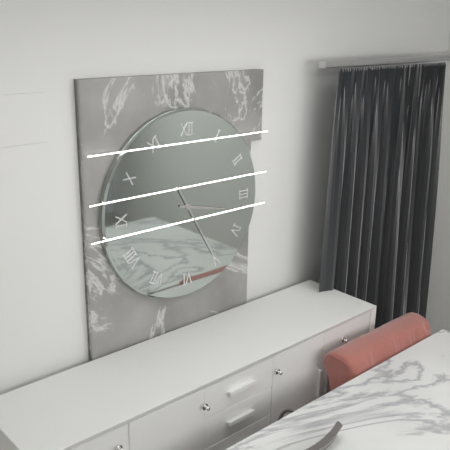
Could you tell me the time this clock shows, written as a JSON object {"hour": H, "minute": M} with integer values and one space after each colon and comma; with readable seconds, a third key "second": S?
{"hour": 3, "minute": 25}
